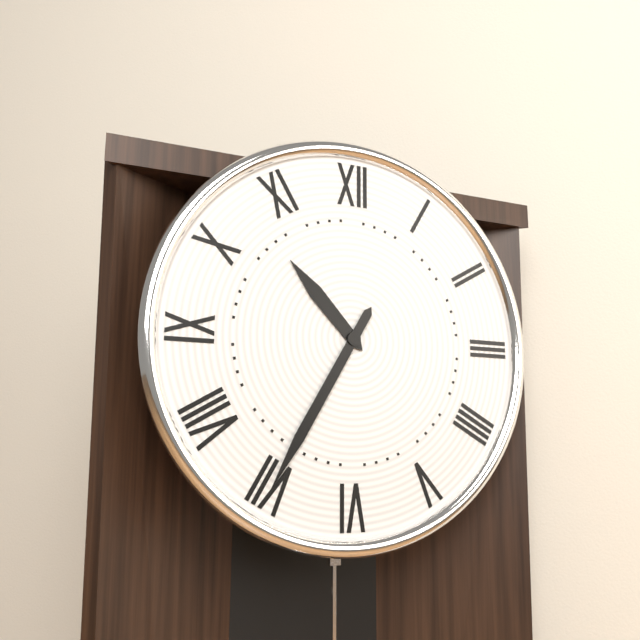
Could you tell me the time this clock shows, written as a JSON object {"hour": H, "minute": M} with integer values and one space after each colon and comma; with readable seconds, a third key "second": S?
{"hour": 10, "minute": 35}
